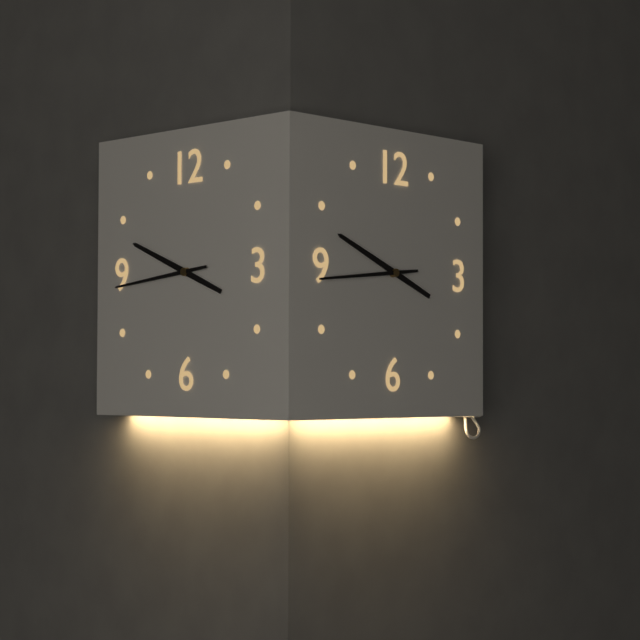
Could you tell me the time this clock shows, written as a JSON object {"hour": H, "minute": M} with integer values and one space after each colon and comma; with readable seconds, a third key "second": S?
{"hour": 9, "minute": 44}
